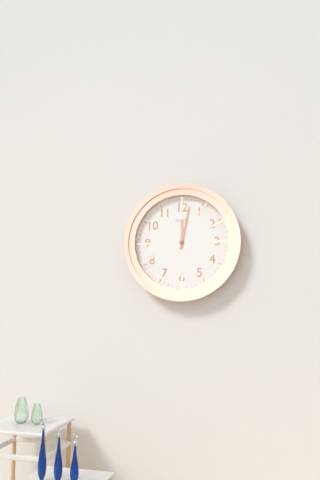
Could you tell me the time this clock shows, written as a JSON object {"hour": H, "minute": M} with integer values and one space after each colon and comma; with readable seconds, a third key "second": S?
{"hour": 12, "minute": 2}
